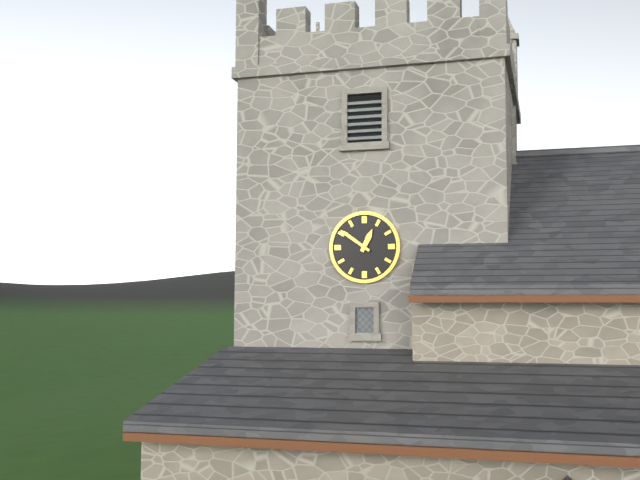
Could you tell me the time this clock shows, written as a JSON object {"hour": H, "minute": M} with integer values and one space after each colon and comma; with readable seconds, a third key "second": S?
{"hour": 12, "minute": 51}
